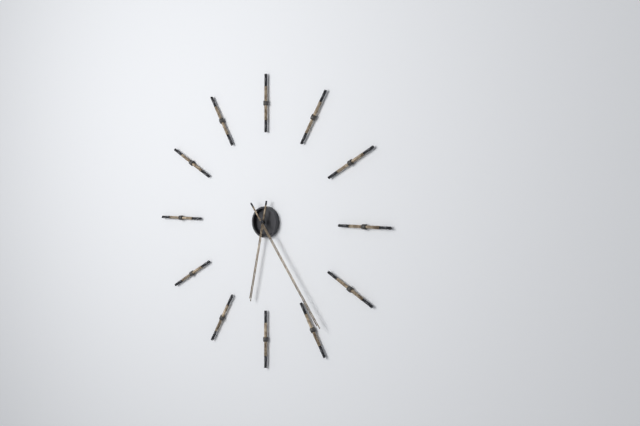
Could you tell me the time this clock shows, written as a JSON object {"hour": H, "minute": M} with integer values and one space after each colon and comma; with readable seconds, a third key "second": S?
{"hour": 6, "minute": 24}
